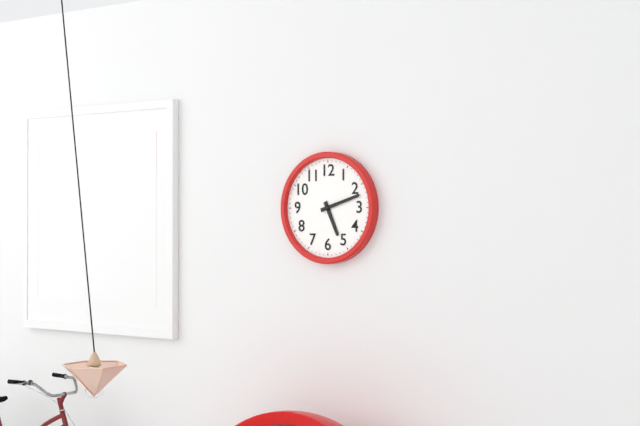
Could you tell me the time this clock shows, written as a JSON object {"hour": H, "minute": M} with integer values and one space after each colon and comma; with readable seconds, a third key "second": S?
{"hour": 5, "minute": 12}
